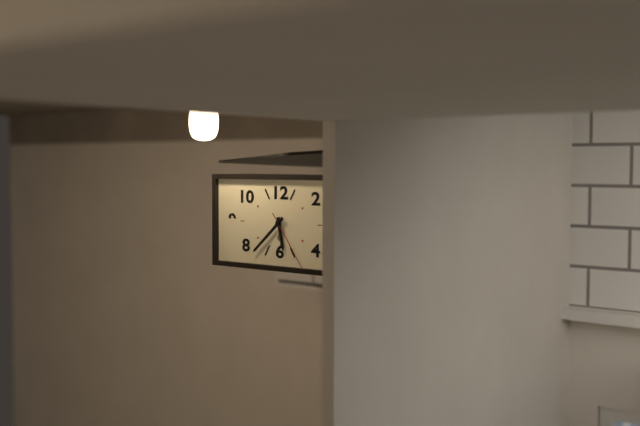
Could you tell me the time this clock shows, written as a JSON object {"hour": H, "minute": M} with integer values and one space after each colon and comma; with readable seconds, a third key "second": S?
{"hour": 5, "minute": 38, "second": 24}
